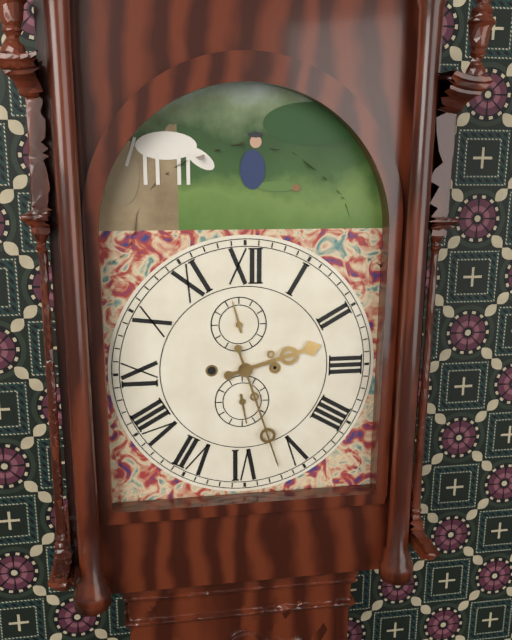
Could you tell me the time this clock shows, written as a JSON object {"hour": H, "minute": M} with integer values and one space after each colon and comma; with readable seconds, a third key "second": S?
{"hour": 2, "minute": 27}
